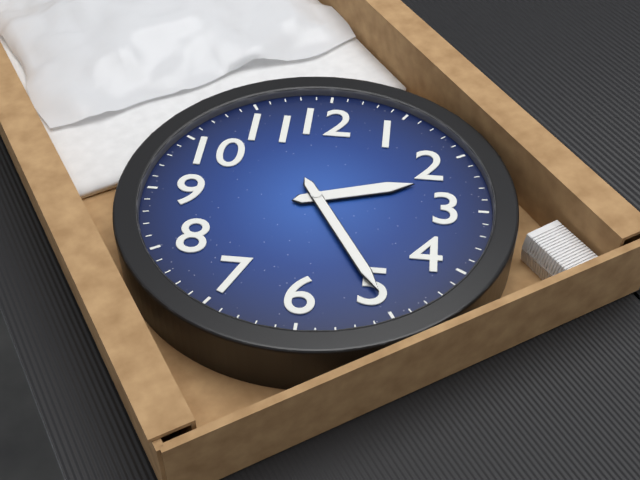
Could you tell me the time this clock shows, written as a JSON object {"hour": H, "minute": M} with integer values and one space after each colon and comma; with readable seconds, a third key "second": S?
{"hour": 2, "minute": 25}
